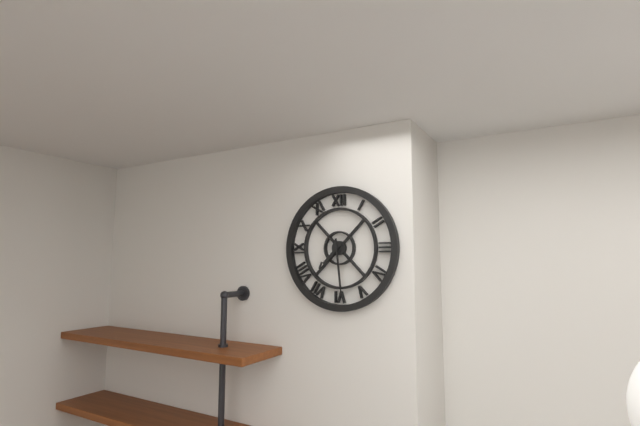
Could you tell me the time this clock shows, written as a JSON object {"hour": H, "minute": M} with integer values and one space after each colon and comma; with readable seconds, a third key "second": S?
{"hour": 7, "minute": 29}
